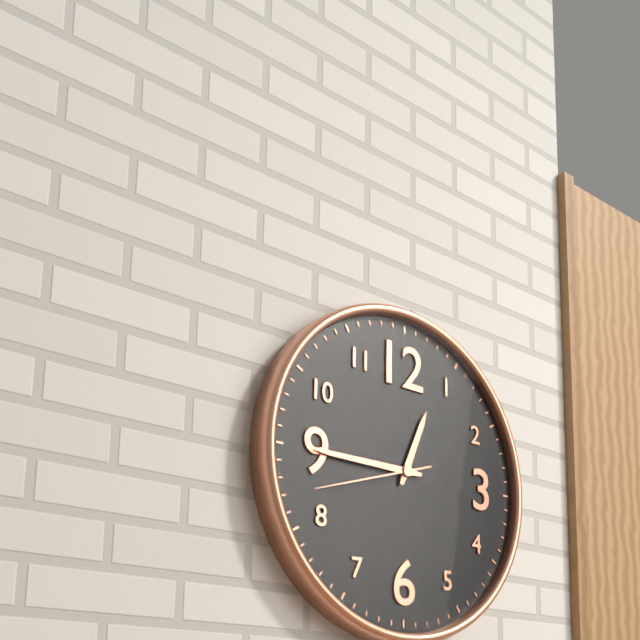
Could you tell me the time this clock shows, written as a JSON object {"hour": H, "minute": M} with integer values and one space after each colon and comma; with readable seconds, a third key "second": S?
{"hour": 12, "minute": 45, "second": 42}
